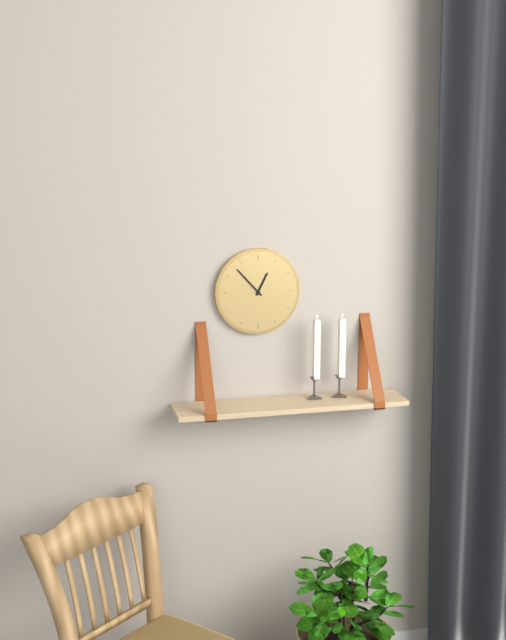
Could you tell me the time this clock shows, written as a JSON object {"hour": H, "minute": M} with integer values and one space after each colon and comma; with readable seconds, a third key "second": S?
{"hour": 12, "minute": 53}
